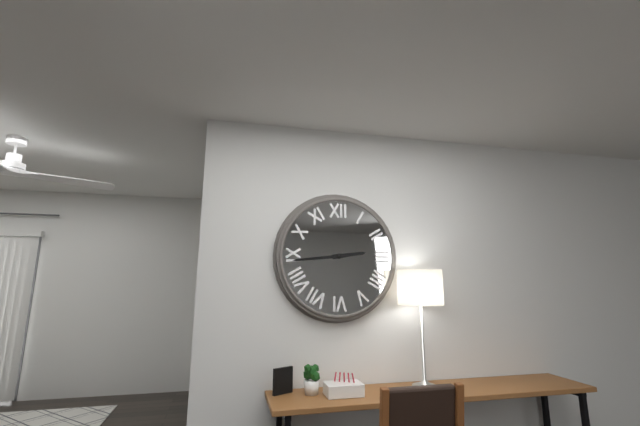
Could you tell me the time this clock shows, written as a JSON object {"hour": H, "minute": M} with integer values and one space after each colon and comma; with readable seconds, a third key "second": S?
{"hour": 2, "minute": 44}
